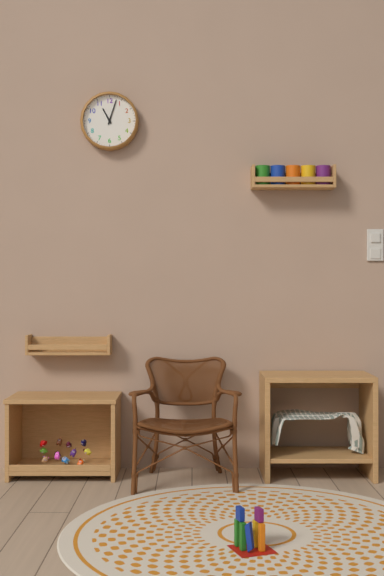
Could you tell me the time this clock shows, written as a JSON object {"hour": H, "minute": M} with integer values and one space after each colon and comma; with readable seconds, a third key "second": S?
{"hour": 11, "minute": 3}
